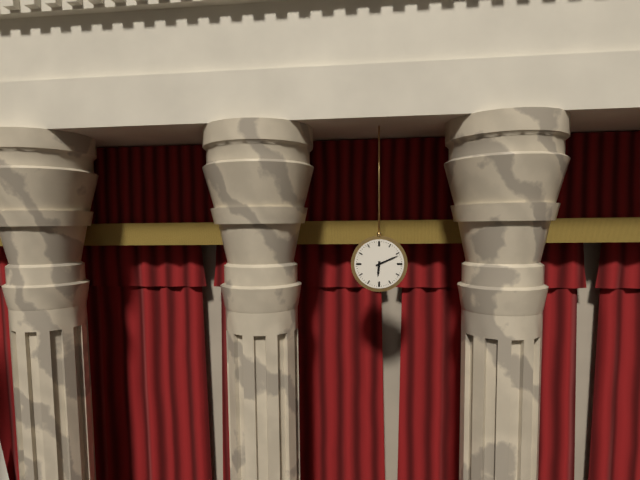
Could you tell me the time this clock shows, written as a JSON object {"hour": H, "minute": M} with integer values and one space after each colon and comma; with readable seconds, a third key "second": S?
{"hour": 6, "minute": 11}
